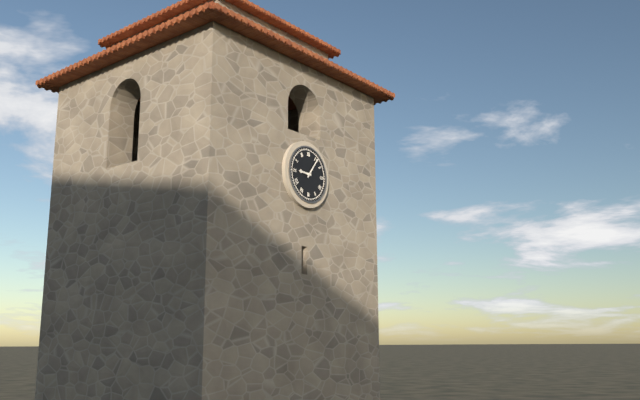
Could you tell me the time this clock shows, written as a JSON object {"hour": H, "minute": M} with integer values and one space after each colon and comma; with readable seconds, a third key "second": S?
{"hour": 9, "minute": 6}
